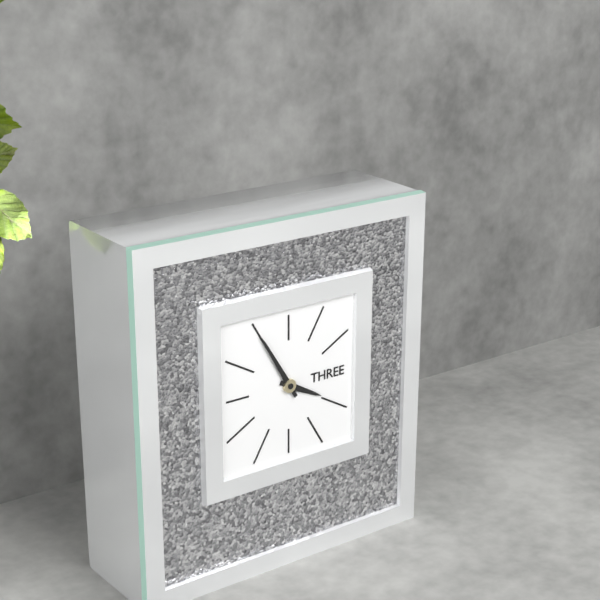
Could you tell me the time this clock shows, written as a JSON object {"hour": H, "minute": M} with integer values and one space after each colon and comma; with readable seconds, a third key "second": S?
{"hour": 3, "minute": 55}
